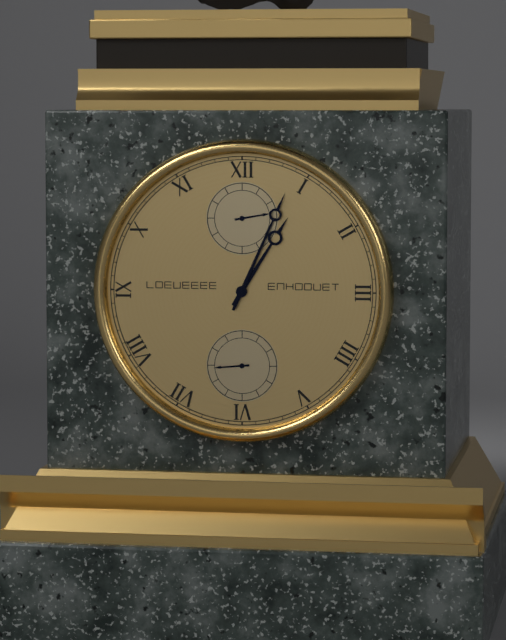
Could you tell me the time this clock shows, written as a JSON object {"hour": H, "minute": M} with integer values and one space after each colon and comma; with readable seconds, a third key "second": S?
{"hour": 1, "minute": 4}
